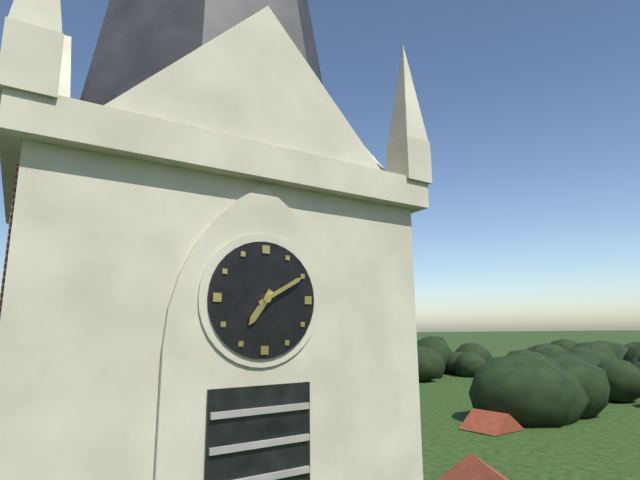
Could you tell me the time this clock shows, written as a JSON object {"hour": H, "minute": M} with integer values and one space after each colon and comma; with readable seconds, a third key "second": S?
{"hour": 7, "minute": 10}
